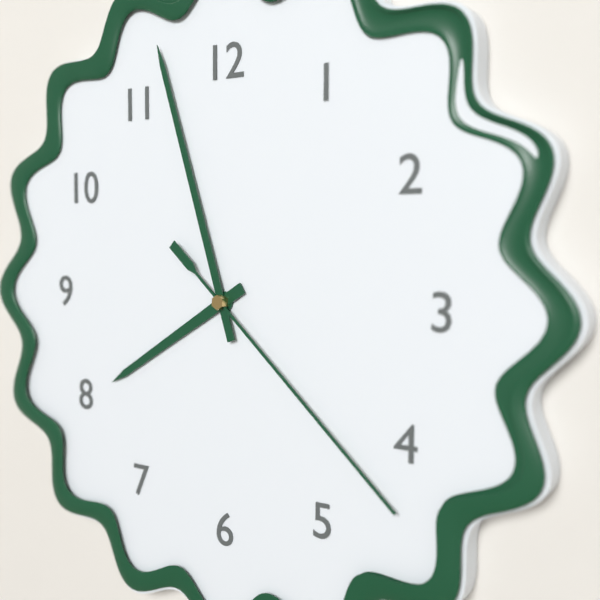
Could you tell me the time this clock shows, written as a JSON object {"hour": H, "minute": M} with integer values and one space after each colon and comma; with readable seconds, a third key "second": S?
{"hour": 7, "minute": 57, "second": 22}
